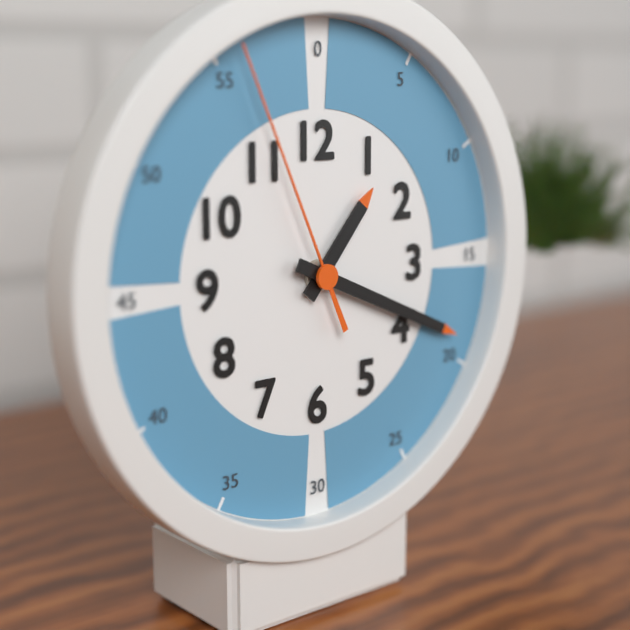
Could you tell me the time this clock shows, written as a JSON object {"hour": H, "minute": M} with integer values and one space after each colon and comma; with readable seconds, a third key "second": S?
{"hour": 1, "minute": 19, "second": 56}
